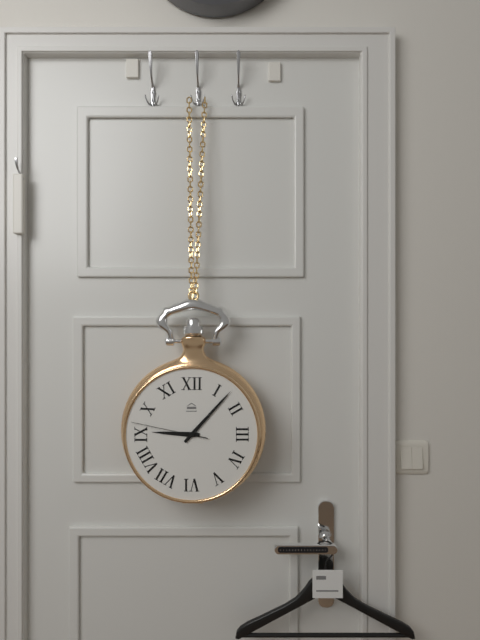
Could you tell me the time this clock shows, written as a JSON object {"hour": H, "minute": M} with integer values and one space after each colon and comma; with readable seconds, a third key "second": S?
{"hour": 9, "minute": 7, "second": 47}
